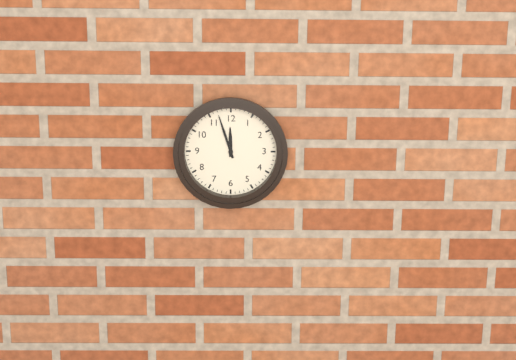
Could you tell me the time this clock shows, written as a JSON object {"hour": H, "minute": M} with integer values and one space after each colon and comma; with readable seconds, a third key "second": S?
{"hour": 11, "minute": 57}
